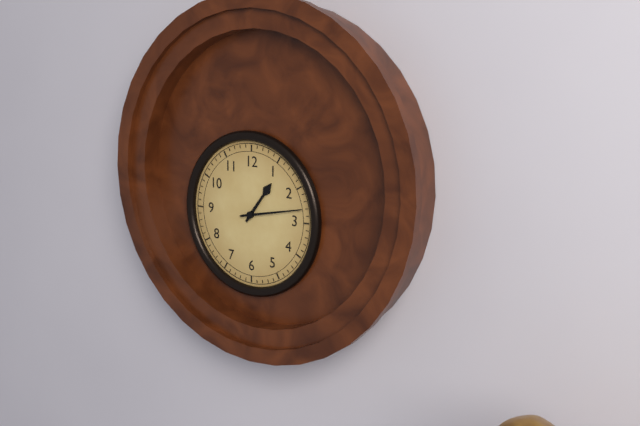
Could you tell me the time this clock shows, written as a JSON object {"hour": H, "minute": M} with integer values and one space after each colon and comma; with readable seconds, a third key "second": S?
{"hour": 1, "minute": 13}
